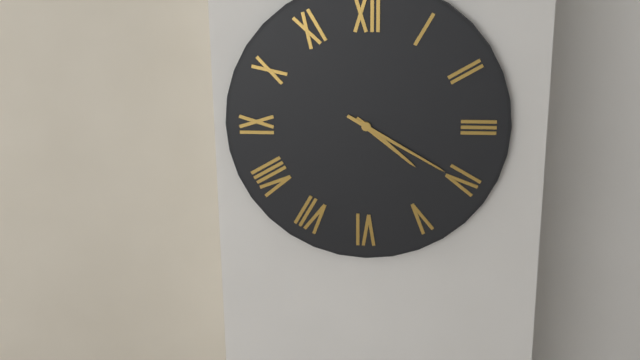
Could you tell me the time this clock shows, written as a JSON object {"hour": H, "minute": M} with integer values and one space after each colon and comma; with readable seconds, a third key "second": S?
{"hour": 4, "minute": 20}
